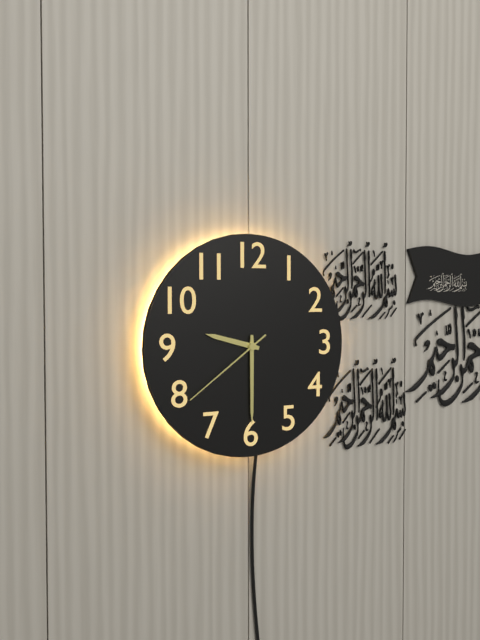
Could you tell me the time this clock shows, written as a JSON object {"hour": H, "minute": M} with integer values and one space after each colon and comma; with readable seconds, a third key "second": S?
{"hour": 9, "minute": 30, "second": 39}
